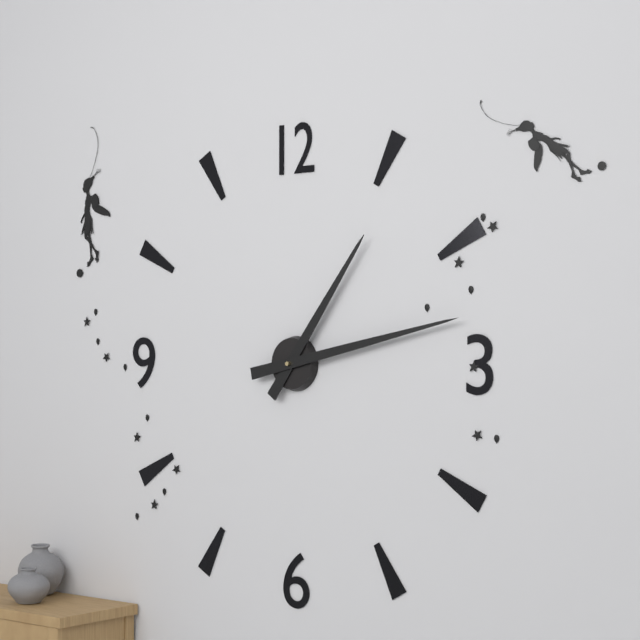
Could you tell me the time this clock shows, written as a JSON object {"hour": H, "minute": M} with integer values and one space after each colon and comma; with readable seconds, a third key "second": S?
{"hour": 1, "minute": 13}
